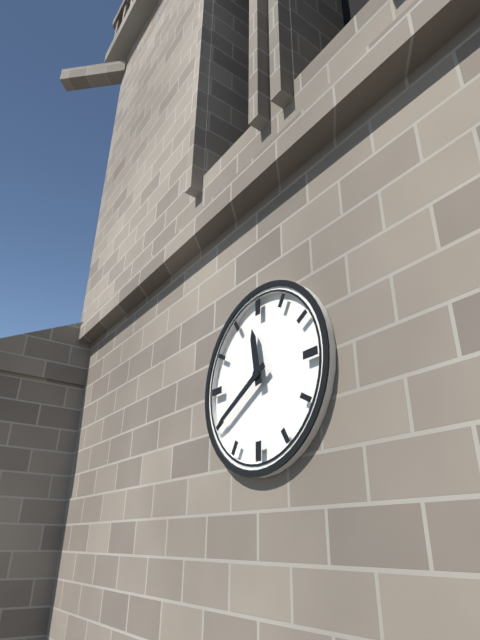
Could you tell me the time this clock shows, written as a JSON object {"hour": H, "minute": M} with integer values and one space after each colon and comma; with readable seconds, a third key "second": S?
{"hour": 11, "minute": 40}
